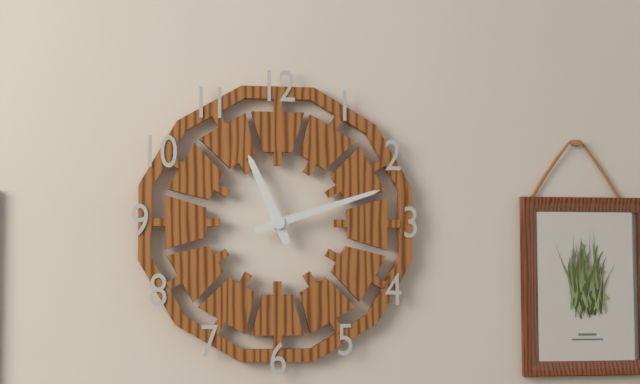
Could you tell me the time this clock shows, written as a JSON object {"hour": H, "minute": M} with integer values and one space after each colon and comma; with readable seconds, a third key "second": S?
{"hour": 11, "minute": 12}
